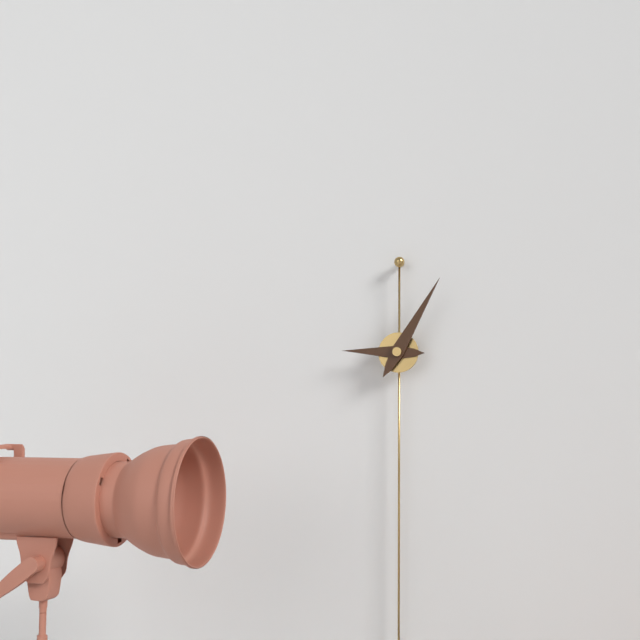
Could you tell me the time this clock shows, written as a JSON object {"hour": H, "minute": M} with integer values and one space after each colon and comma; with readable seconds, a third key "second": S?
{"hour": 9, "minute": 5}
